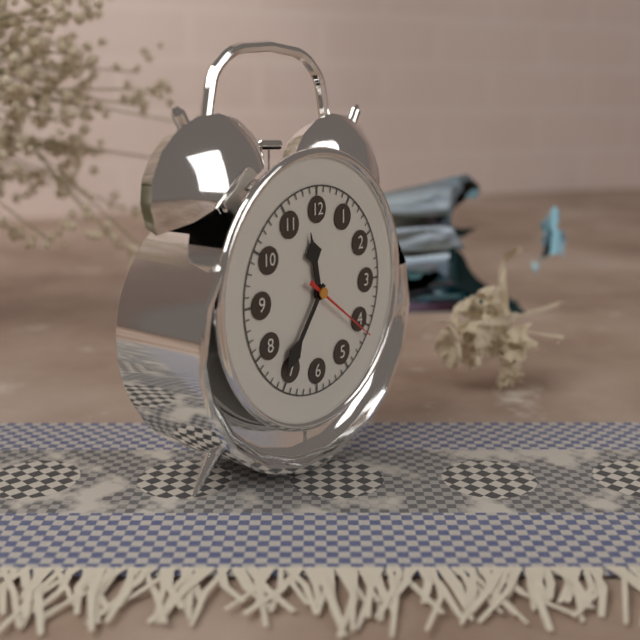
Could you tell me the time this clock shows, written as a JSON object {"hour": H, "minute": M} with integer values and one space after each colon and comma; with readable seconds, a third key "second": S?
{"hour": 11, "minute": 36, "second": 21}
